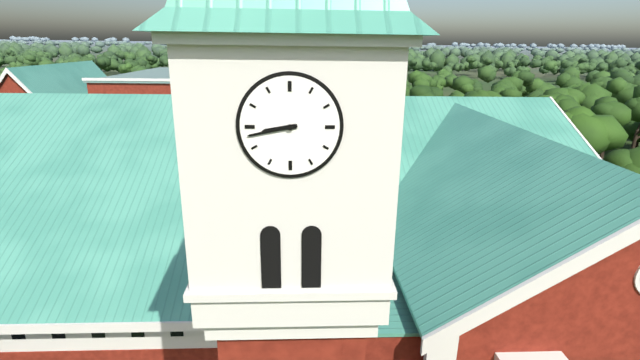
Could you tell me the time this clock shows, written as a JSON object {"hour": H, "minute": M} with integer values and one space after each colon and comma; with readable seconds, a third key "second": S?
{"hour": 8, "minute": 43}
